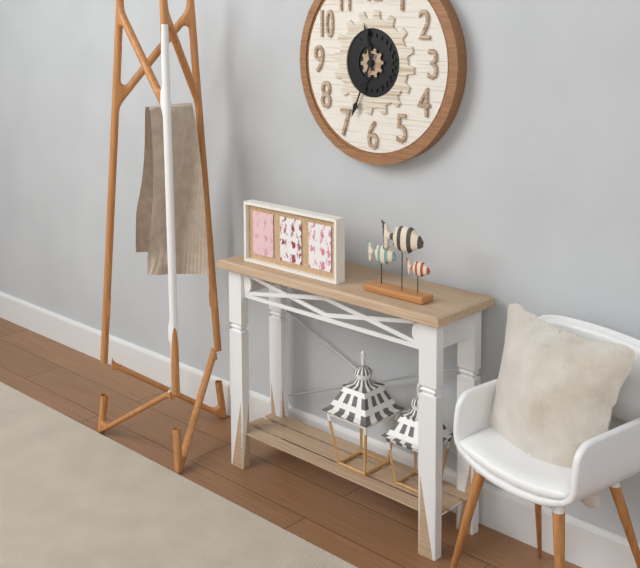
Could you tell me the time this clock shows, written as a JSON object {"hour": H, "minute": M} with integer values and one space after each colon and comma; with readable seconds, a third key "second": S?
{"hour": 11, "minute": 34}
